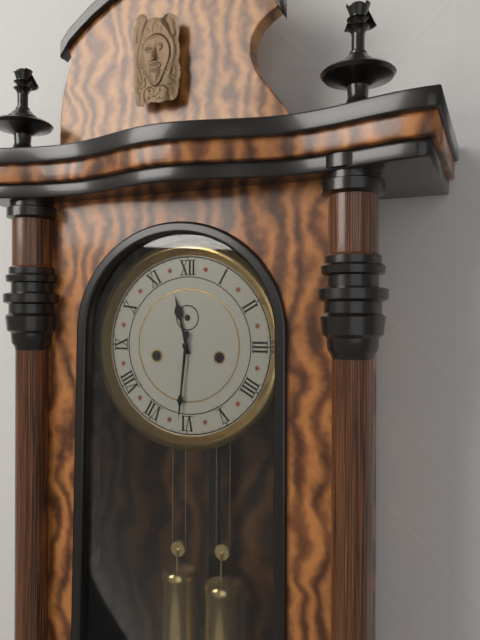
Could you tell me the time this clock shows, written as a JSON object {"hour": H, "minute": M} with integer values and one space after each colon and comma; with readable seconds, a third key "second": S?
{"hour": 11, "minute": 31}
